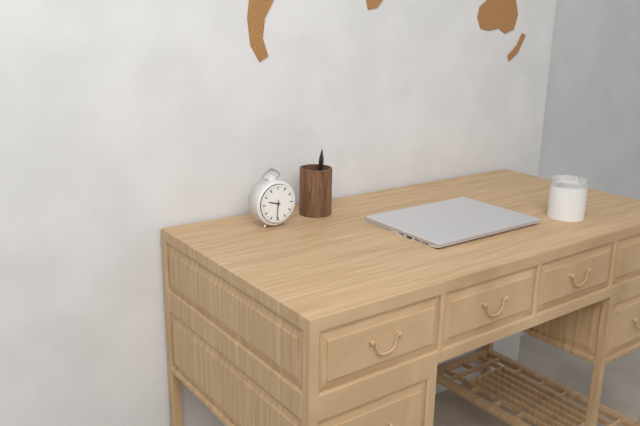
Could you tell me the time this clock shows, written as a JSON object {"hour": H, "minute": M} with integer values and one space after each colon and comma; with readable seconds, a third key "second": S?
{"hour": 9, "minute": 31}
